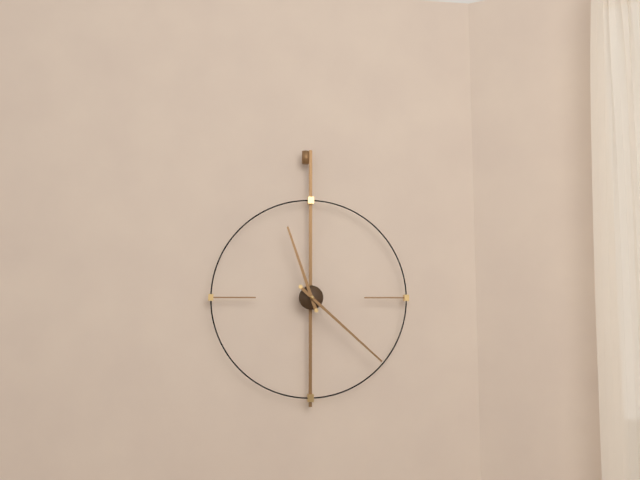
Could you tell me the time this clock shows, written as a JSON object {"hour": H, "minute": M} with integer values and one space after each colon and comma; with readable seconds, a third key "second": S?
{"hour": 11, "minute": 22}
